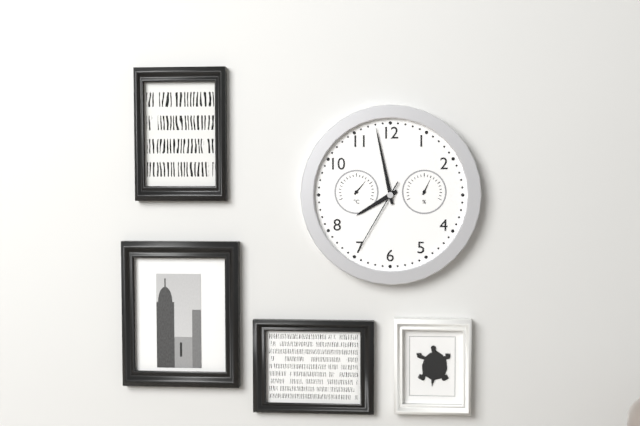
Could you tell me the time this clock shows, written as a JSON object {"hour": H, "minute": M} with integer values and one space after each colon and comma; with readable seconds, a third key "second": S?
{"hour": 7, "minute": 58, "second": 35}
